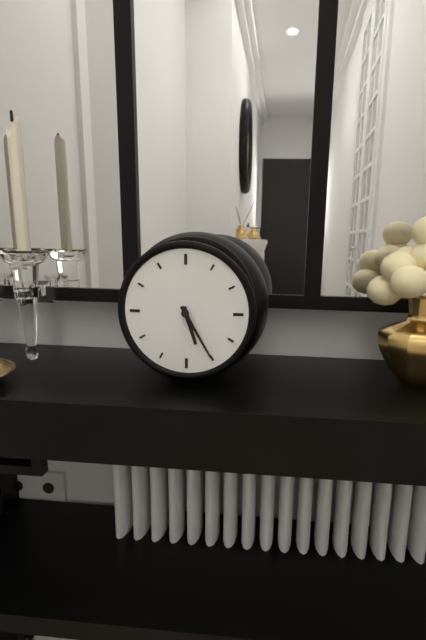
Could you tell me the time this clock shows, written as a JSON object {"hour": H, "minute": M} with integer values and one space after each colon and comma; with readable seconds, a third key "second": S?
{"hour": 5, "minute": 25}
